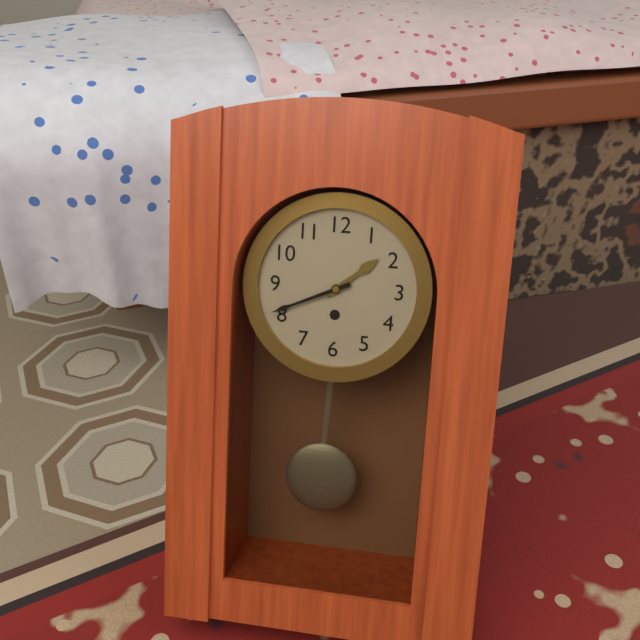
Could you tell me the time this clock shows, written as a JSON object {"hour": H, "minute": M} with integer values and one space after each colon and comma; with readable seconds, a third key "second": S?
{"hour": 1, "minute": 41}
